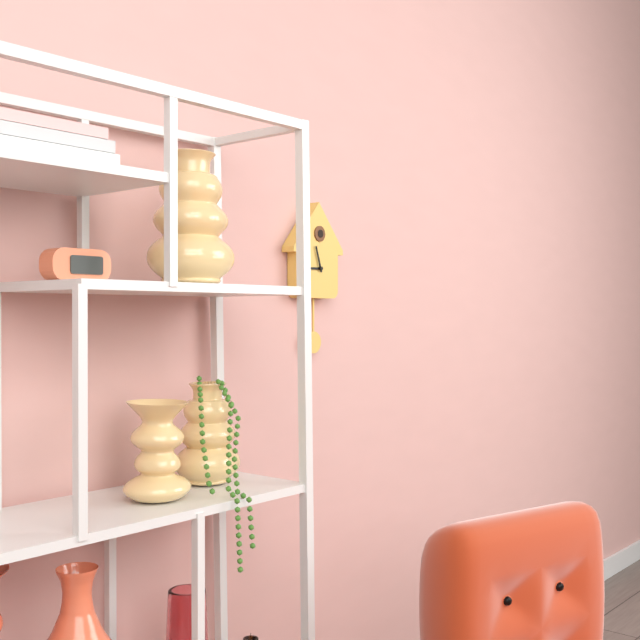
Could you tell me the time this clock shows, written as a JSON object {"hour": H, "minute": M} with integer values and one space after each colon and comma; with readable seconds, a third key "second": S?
{"hour": 8, "minute": 57}
